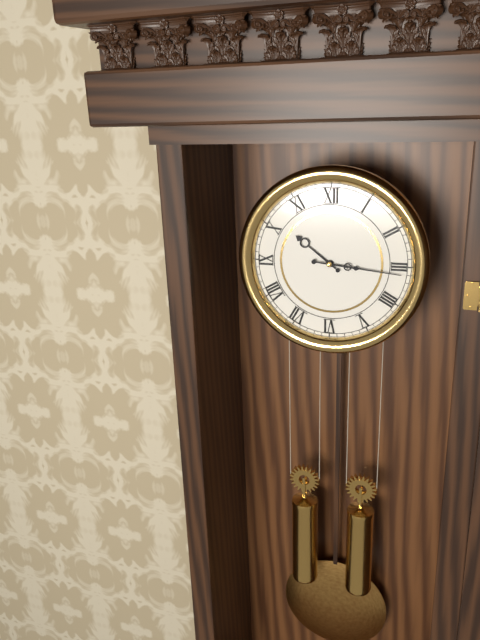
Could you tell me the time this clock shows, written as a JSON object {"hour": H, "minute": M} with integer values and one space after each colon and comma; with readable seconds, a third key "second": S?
{"hour": 10, "minute": 16}
